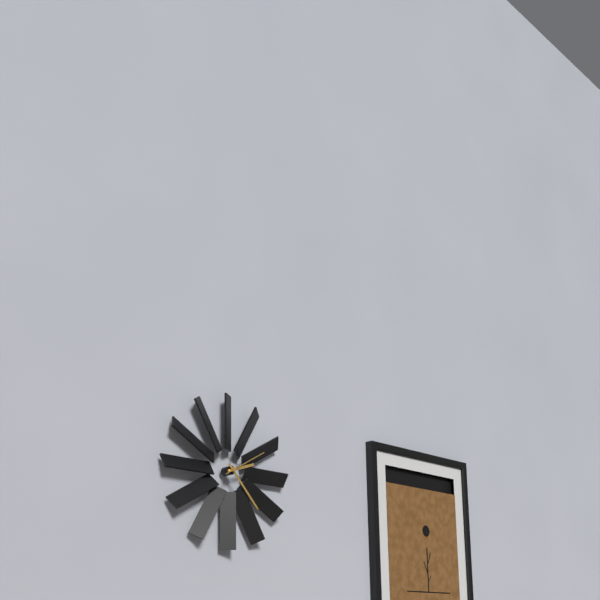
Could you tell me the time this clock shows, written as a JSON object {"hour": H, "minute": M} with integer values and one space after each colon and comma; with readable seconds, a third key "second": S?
{"hour": 2, "minute": 23}
